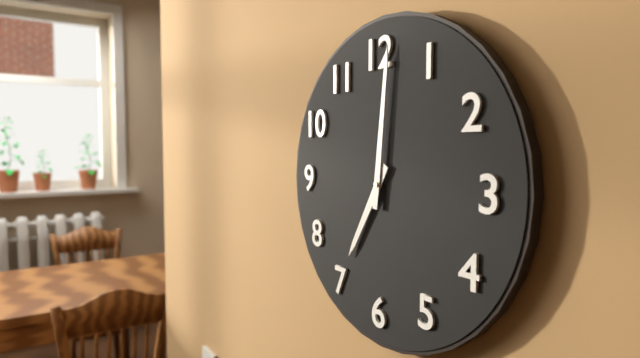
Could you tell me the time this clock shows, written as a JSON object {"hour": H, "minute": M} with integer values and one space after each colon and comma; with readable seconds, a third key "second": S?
{"hour": 7, "minute": 1}
